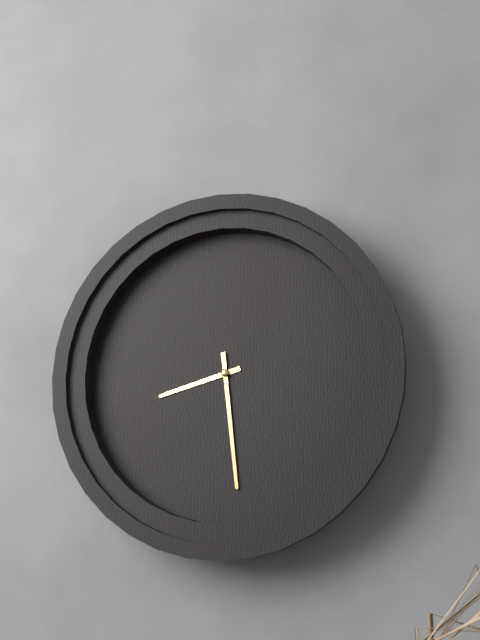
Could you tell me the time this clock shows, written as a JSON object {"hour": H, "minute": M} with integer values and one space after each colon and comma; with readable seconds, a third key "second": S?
{"hour": 8, "minute": 29}
